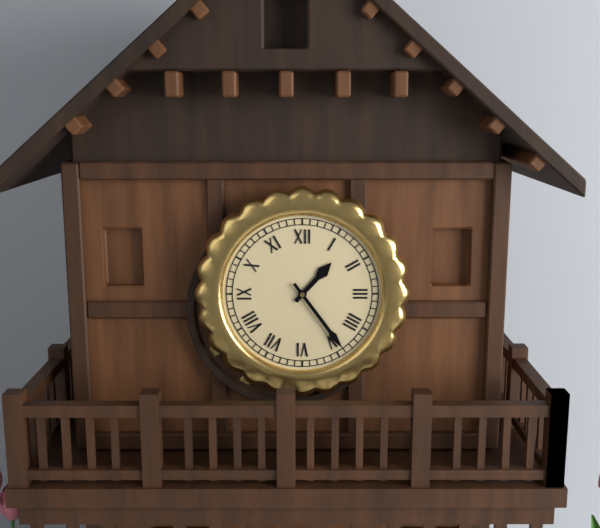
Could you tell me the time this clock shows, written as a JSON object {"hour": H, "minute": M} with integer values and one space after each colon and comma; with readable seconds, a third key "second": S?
{"hour": 1, "minute": 24}
